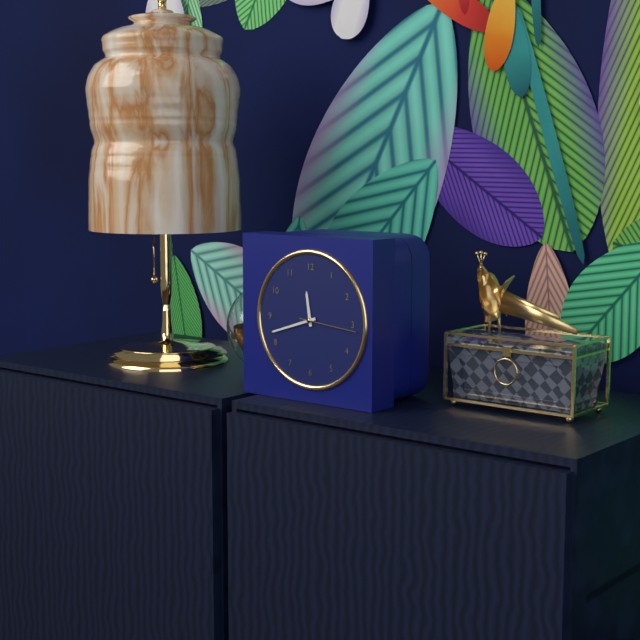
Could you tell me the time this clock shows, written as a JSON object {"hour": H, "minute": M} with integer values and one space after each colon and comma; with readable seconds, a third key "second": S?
{"hour": 11, "minute": 42, "second": 16}
